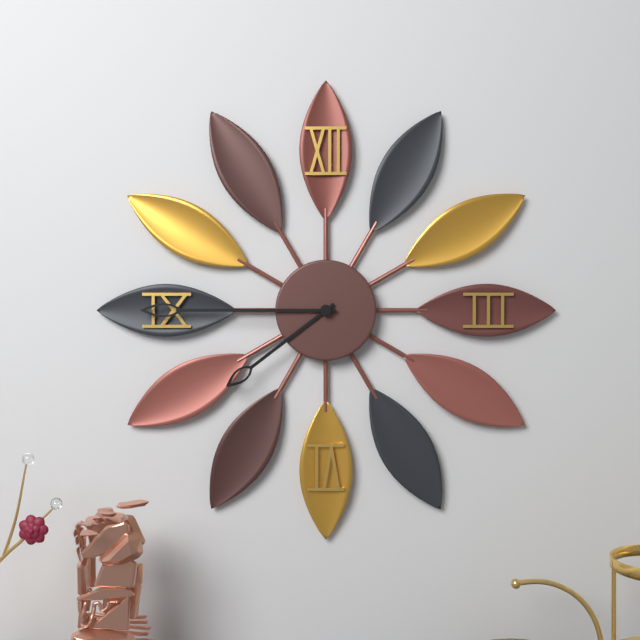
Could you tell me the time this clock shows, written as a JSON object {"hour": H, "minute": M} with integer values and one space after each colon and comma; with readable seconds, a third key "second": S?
{"hour": 7, "minute": 45}
